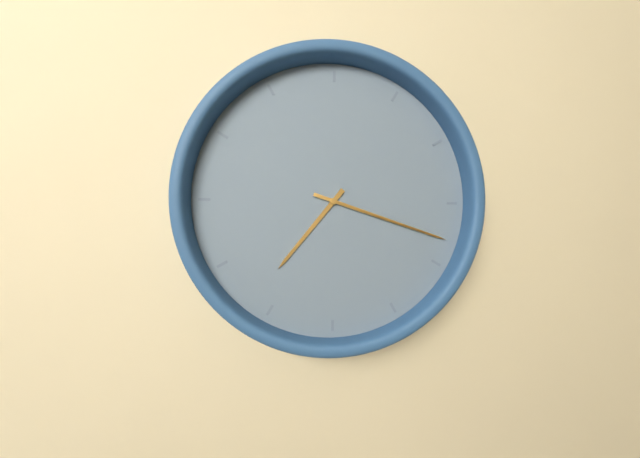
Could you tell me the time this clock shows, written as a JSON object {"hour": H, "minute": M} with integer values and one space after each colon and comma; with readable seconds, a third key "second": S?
{"hour": 7, "minute": 18}
